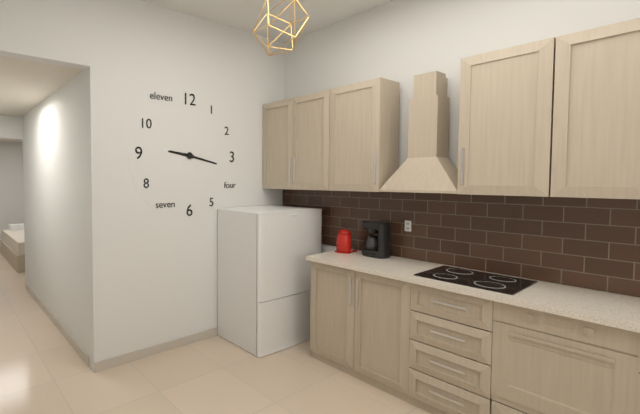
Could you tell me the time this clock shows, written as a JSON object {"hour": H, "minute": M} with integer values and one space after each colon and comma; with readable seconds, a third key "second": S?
{"hour": 9, "minute": 17}
